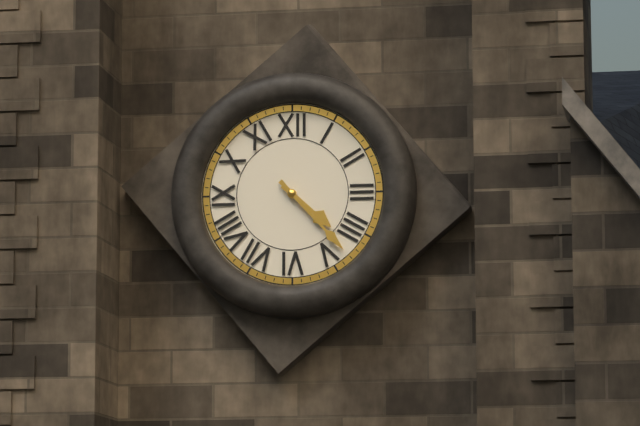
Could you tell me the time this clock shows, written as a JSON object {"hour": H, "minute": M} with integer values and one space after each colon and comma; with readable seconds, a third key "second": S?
{"hour": 4, "minute": 23}
